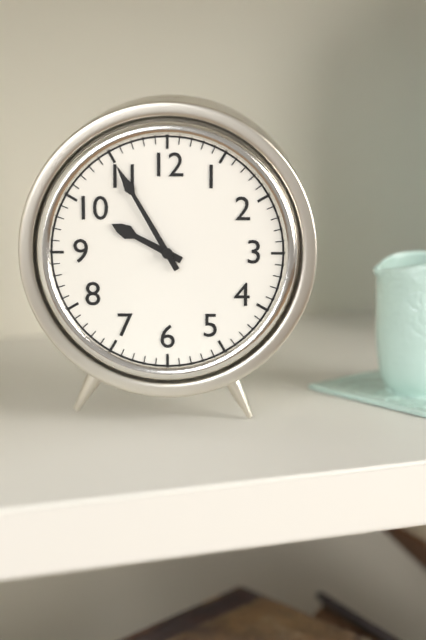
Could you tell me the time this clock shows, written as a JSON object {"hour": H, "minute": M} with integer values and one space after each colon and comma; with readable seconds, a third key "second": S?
{"hour": 9, "minute": 55}
